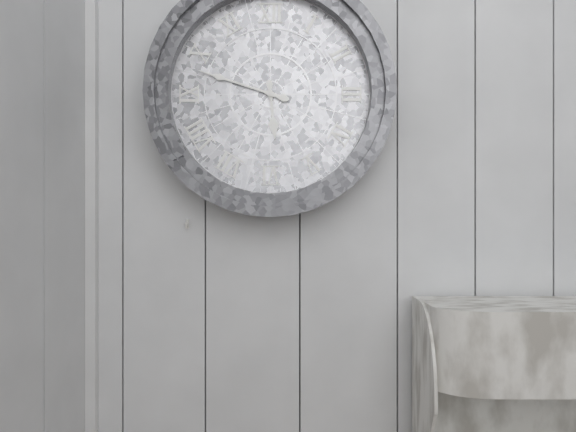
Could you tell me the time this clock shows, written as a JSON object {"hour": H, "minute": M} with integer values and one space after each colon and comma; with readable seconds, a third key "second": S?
{"hour": 5, "minute": 48}
